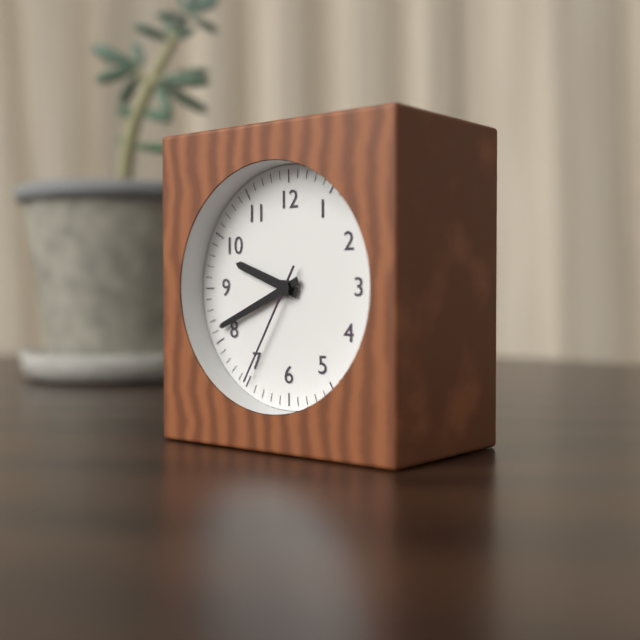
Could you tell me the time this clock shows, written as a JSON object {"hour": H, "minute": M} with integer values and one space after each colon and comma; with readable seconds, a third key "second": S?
{"hour": 9, "minute": 41, "second": 35}
